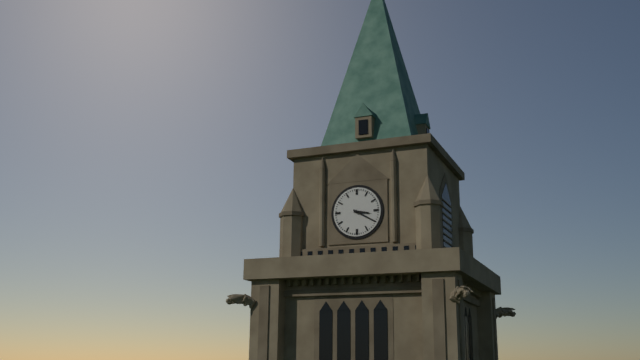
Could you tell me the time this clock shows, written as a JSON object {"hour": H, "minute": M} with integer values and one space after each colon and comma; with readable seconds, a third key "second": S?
{"hour": 3, "minute": 20}
